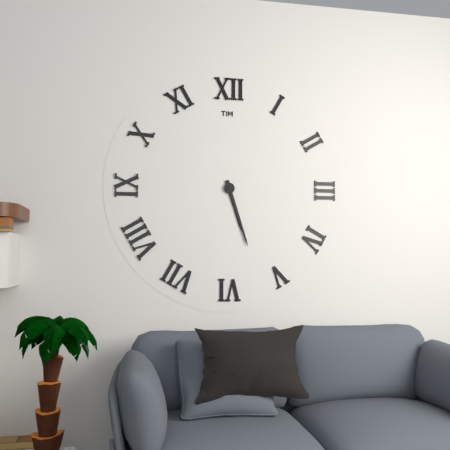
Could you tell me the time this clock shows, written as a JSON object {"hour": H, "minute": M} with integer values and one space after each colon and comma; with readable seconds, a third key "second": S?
{"hour": 5, "minute": 27}
